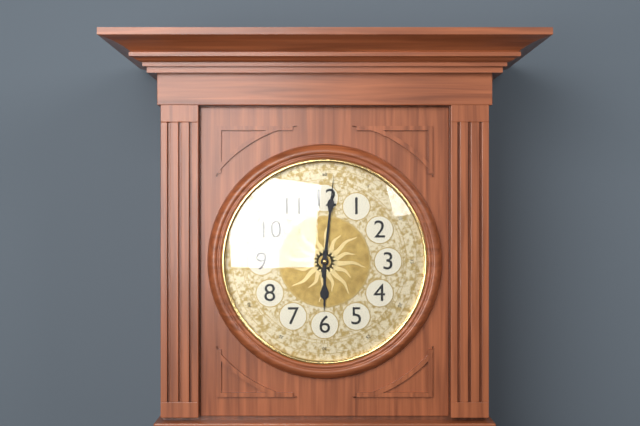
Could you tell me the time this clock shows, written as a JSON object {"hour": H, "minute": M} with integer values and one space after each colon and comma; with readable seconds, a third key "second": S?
{"hour": 6, "minute": 1}
